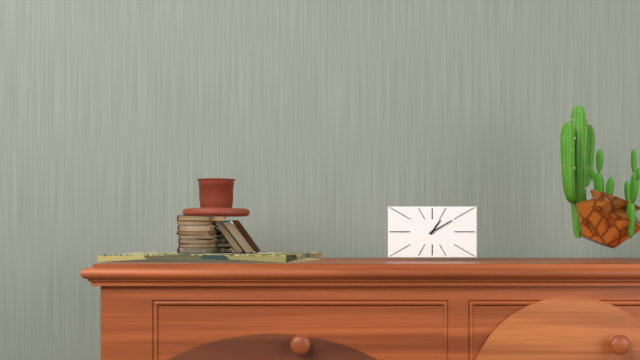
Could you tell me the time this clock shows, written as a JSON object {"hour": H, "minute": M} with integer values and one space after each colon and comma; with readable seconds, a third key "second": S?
{"hour": 1, "minute": 10}
